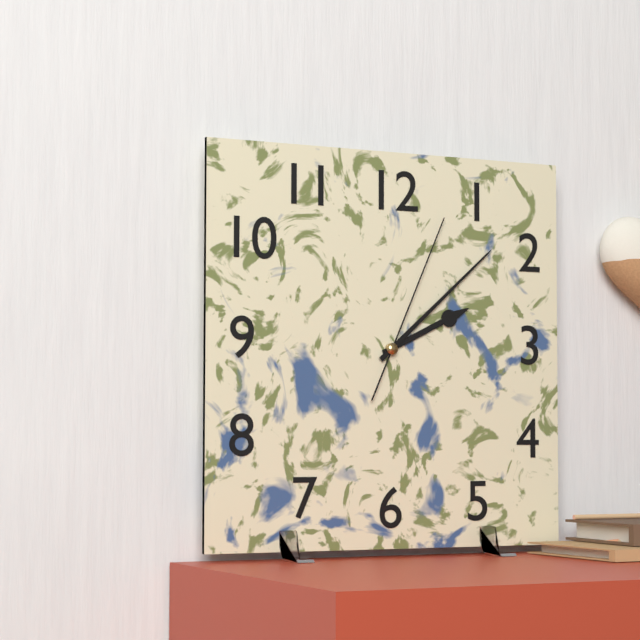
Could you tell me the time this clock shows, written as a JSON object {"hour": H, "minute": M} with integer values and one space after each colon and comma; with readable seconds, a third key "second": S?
{"hour": 2, "minute": 8, "second": 4}
